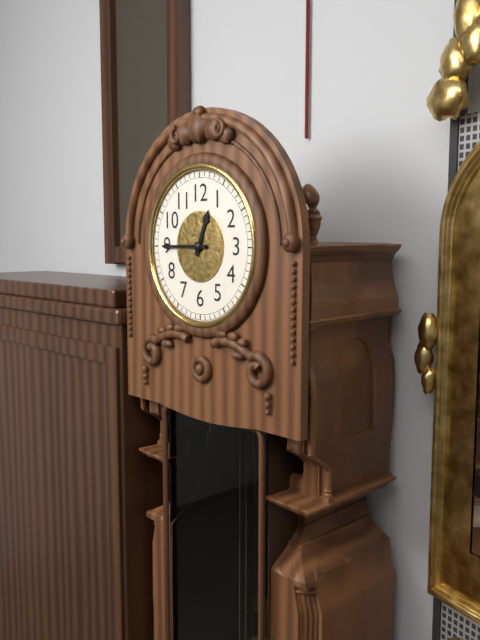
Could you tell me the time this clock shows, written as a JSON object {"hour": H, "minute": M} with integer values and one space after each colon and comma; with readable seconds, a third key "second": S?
{"hour": 12, "minute": 45}
